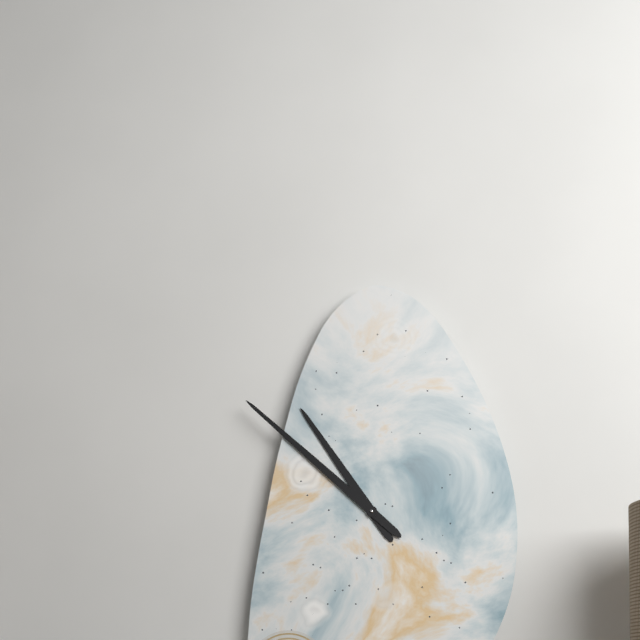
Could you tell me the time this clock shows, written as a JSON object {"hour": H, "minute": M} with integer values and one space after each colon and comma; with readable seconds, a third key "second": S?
{"hour": 10, "minute": 52}
